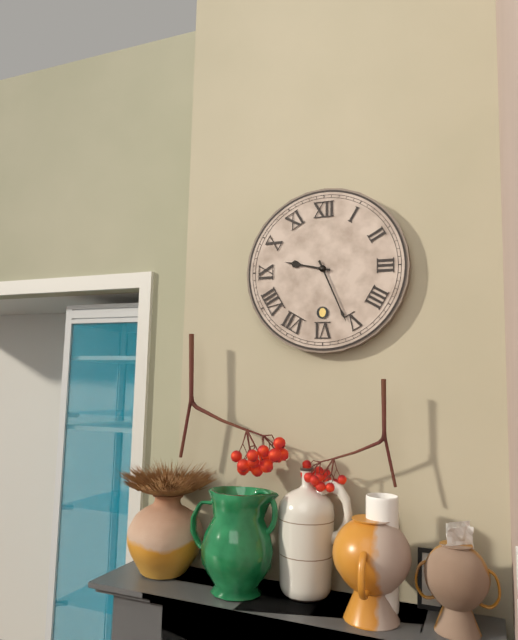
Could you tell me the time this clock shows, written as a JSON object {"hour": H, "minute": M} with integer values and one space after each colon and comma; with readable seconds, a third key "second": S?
{"hour": 9, "minute": 26}
